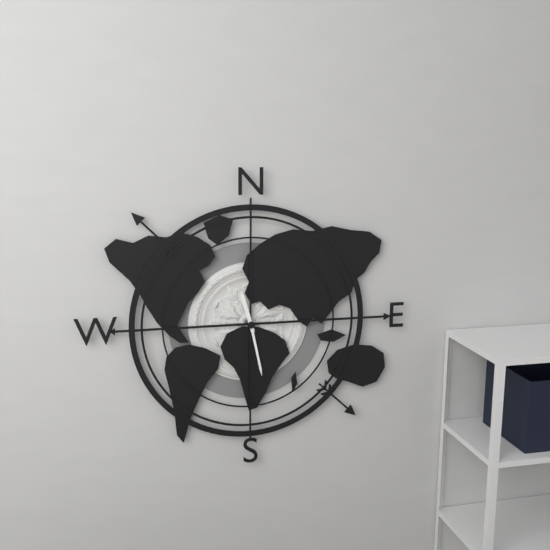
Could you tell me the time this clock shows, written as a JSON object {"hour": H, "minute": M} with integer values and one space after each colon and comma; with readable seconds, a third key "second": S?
{"hour": 11, "minute": 28}
